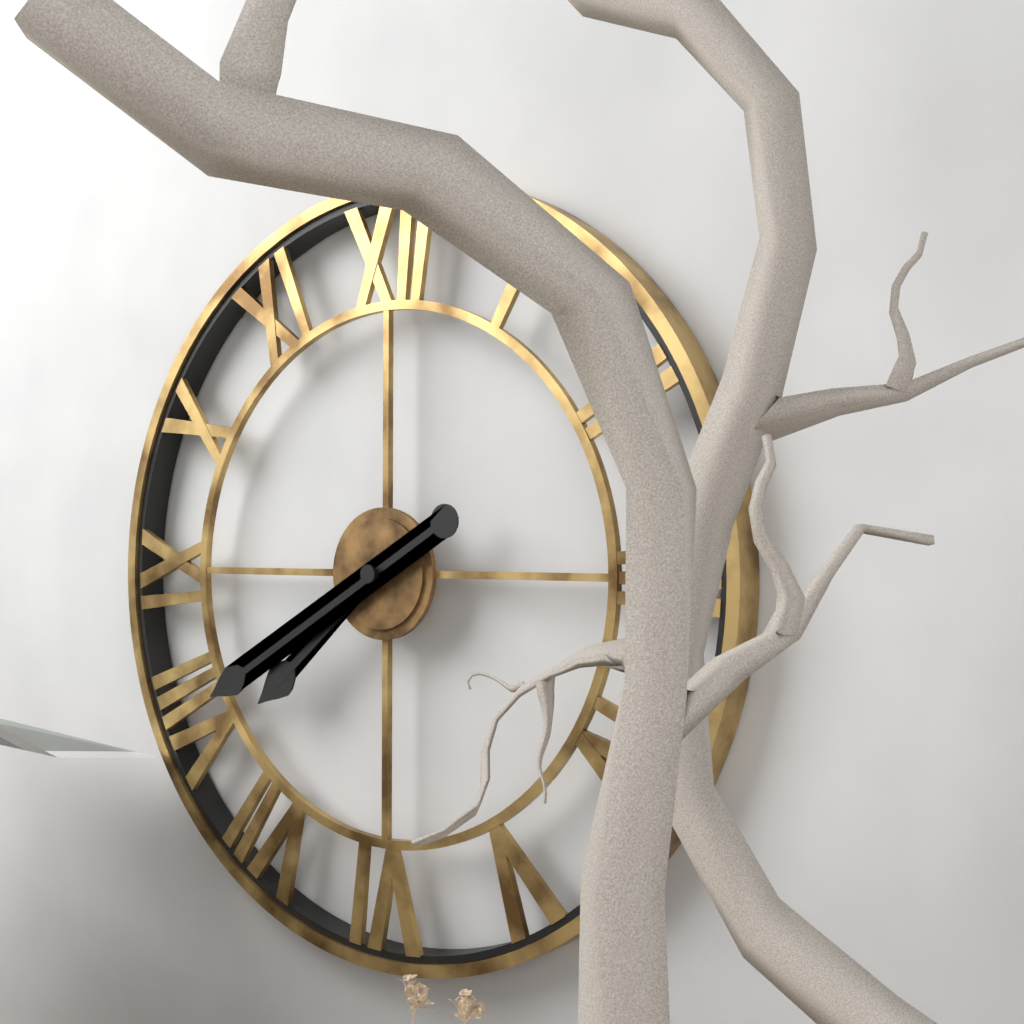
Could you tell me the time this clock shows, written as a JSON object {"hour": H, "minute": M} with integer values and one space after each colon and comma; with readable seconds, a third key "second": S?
{"hour": 7, "minute": 40}
